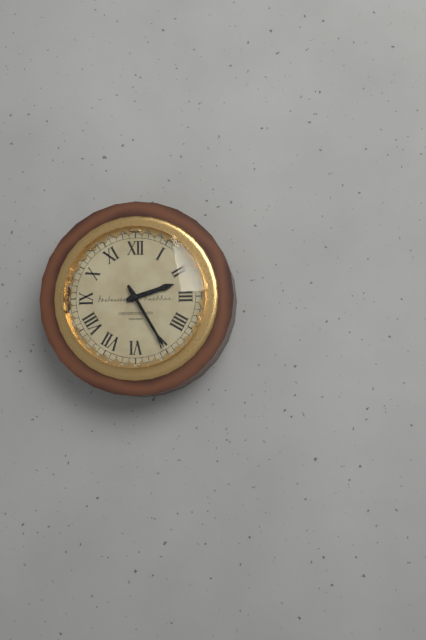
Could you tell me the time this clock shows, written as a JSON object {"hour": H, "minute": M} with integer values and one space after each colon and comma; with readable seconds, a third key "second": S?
{"hour": 2, "minute": 25}
